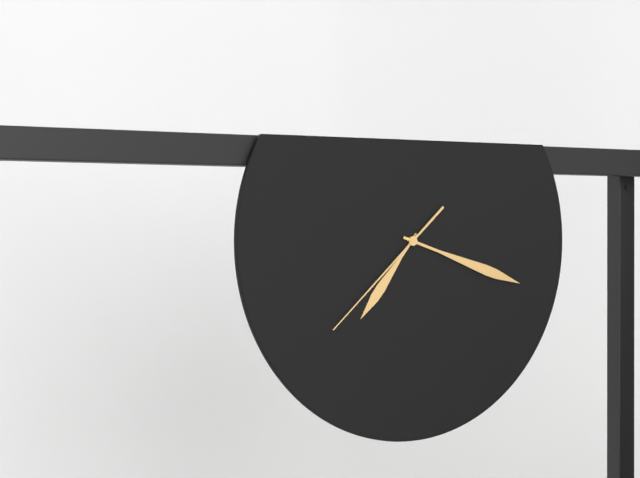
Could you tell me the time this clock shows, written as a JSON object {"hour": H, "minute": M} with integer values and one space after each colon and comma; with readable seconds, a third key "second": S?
{"hour": 7, "minute": 18, "second": 38}
